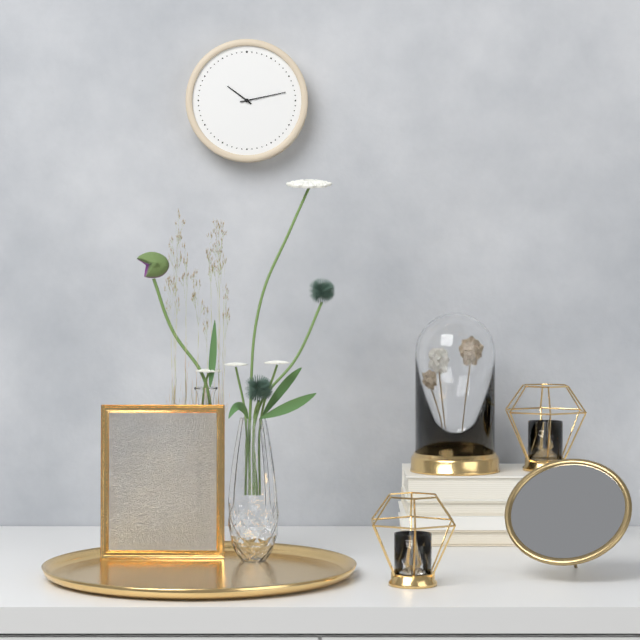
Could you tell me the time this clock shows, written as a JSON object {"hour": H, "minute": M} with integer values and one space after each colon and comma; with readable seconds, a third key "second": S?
{"hour": 10, "minute": 13}
